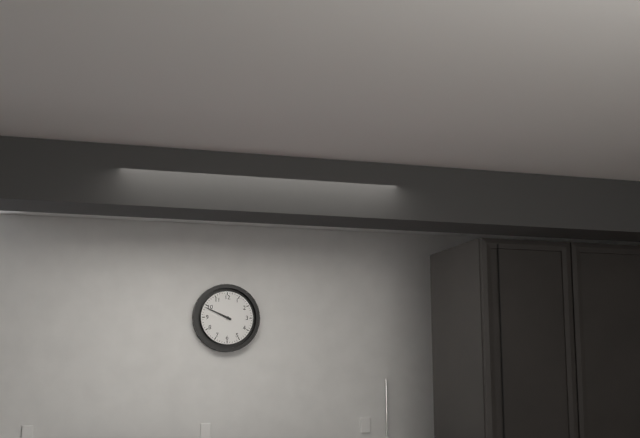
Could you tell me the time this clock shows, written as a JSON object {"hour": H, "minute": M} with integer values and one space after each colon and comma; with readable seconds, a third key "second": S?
{"hour": 9, "minute": 49}
